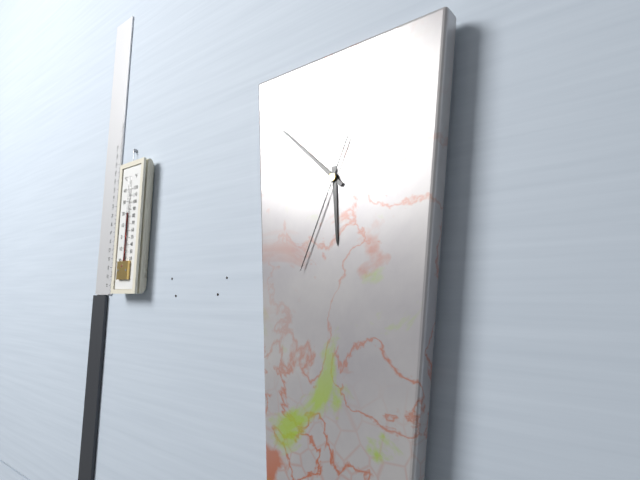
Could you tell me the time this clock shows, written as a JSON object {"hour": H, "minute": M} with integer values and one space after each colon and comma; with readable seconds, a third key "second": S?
{"hour": 5, "minute": 52, "second": 34}
